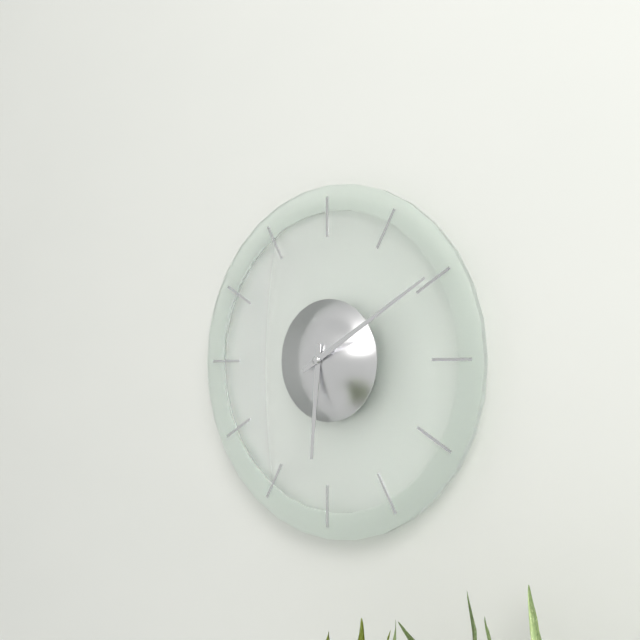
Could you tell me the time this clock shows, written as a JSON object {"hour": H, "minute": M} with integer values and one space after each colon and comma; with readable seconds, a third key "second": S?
{"hour": 6, "minute": 10}
